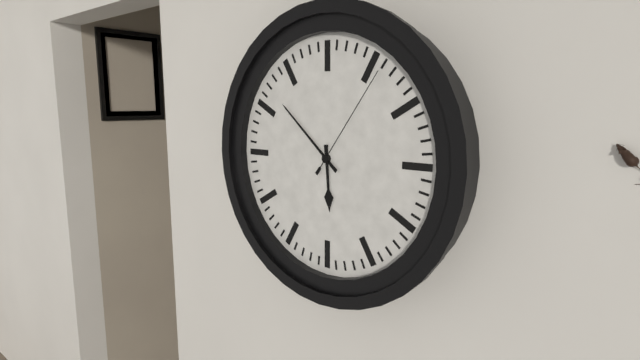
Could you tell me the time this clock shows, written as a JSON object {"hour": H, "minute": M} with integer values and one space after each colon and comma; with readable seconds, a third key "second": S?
{"hour": 5, "minute": 52, "second": 6}
